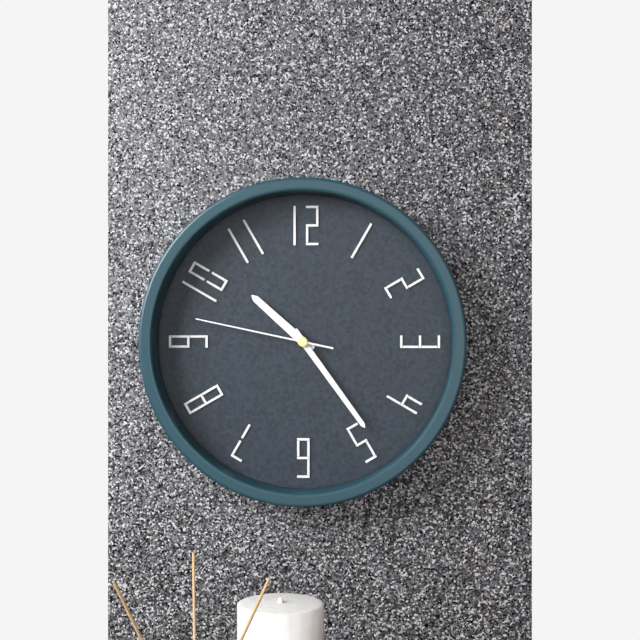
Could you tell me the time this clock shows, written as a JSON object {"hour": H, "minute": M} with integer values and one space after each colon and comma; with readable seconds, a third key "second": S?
{"hour": 10, "minute": 24, "second": 47}
